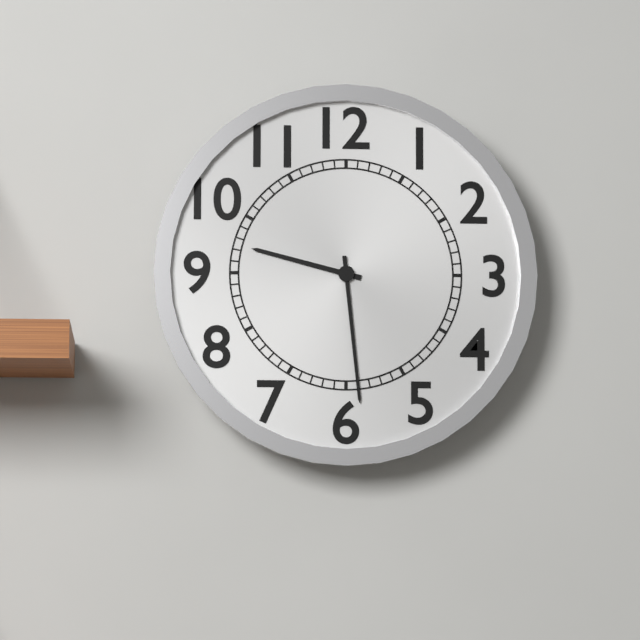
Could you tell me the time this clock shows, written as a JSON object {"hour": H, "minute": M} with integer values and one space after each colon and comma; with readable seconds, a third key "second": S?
{"hour": 9, "minute": 29}
